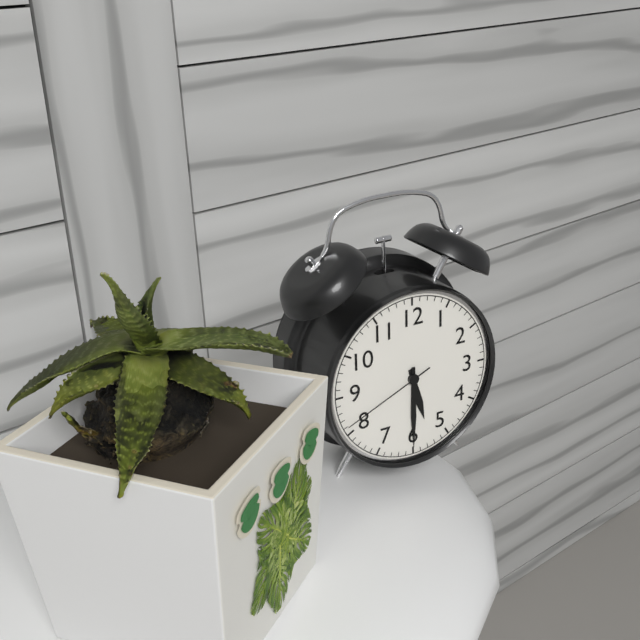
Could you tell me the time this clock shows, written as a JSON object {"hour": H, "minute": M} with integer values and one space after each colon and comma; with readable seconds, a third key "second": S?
{"hour": 5, "minute": 30, "second": 41}
